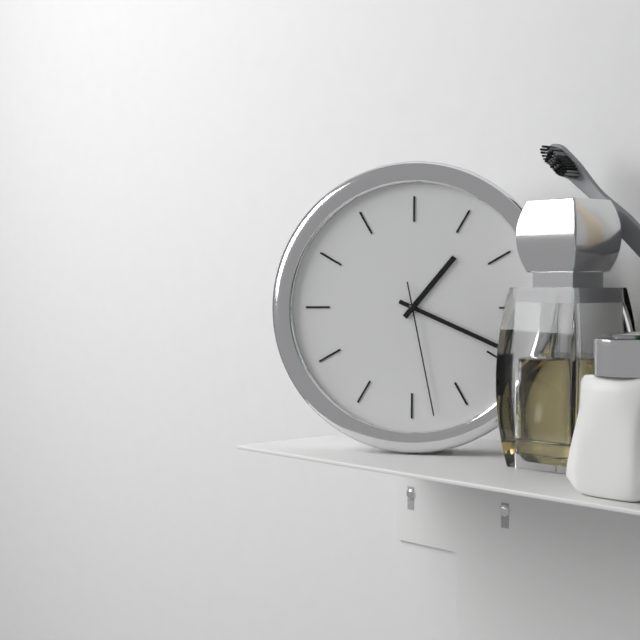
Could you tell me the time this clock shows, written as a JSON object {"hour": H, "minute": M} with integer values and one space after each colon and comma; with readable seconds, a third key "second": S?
{"hour": 1, "minute": 19, "second": 28}
